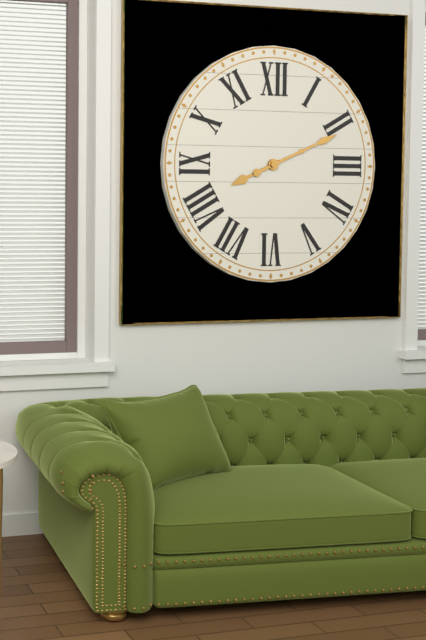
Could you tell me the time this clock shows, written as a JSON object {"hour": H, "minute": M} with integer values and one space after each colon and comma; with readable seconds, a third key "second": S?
{"hour": 8, "minute": 11}
